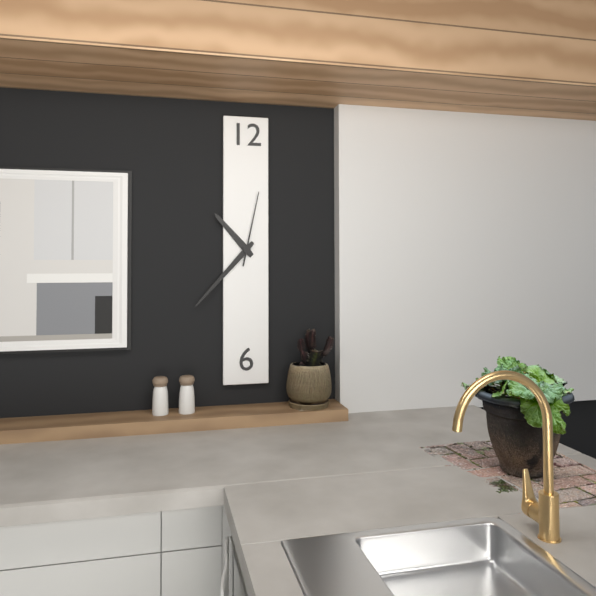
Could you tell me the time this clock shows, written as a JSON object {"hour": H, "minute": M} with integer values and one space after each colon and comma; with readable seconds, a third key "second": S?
{"hour": 10, "minute": 37, "second": 2}
